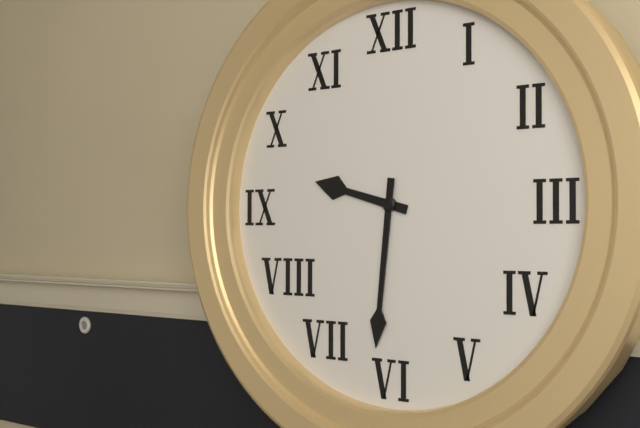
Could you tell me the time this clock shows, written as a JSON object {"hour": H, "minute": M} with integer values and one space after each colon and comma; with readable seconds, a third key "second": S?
{"hour": 9, "minute": 31}
